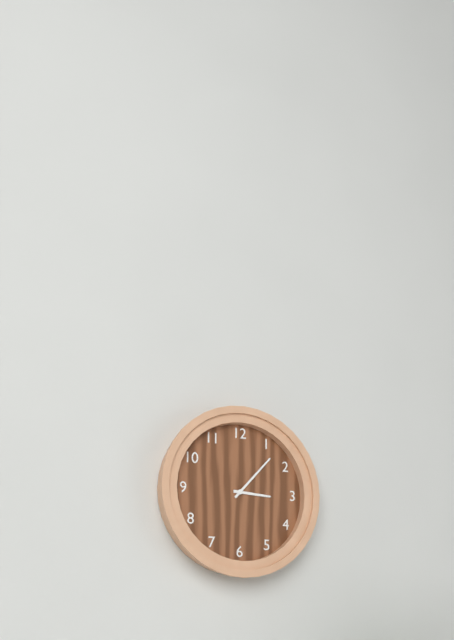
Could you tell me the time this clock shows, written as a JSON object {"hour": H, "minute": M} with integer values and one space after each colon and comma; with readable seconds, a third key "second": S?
{"hour": 3, "minute": 7}
